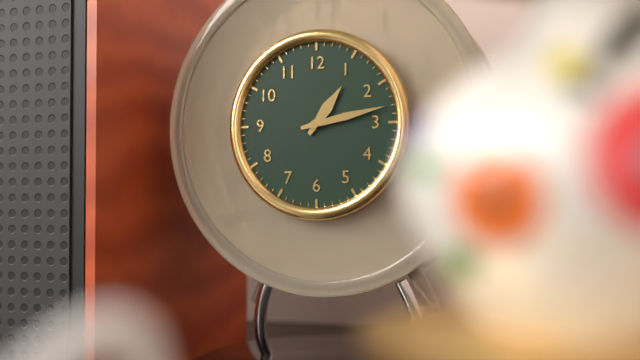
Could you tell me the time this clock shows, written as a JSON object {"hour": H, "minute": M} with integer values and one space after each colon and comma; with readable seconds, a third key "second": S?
{"hour": 1, "minute": 13}
